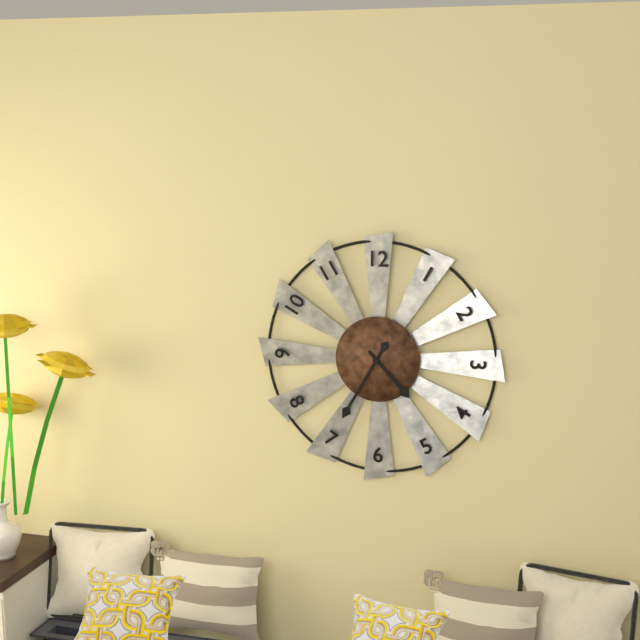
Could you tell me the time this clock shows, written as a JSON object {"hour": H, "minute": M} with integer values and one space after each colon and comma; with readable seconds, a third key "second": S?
{"hour": 4, "minute": 35}
